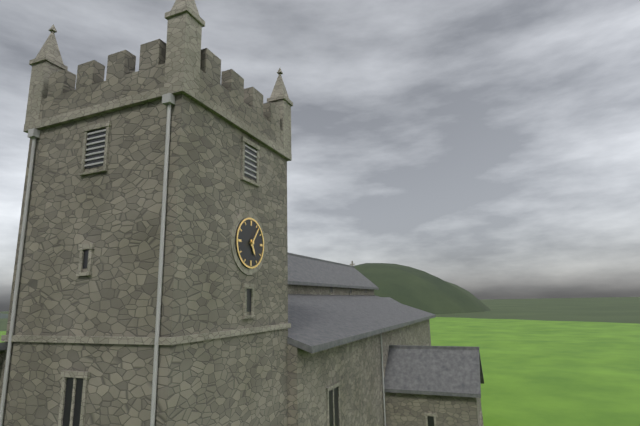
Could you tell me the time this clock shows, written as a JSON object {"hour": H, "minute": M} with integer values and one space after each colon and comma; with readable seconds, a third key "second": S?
{"hour": 5, "minute": 6}
